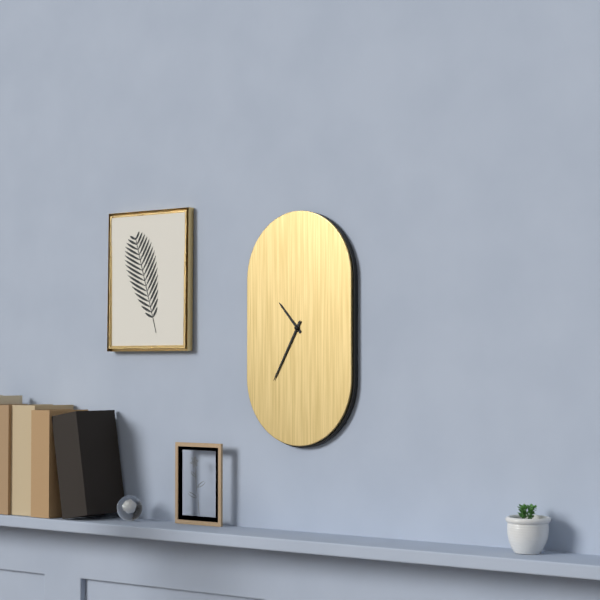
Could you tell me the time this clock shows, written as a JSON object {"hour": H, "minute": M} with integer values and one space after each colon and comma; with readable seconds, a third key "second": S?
{"hour": 10, "minute": 35}
